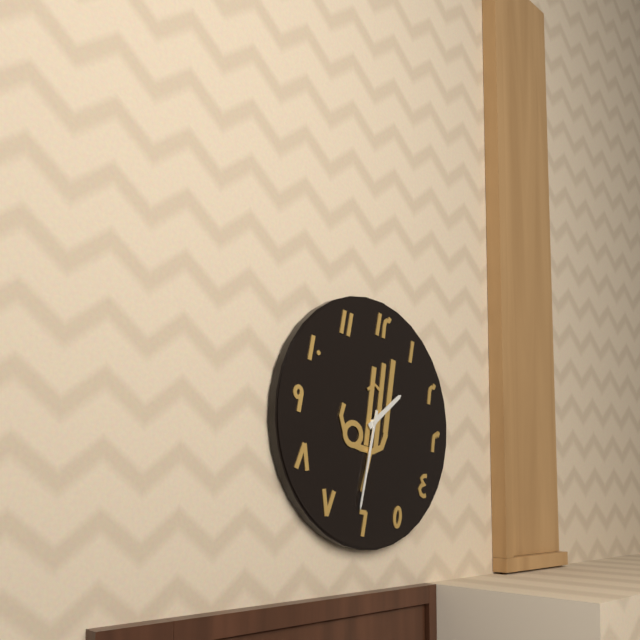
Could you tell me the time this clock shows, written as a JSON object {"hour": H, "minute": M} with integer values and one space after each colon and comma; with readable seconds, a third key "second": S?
{"hour": 1, "minute": 31}
